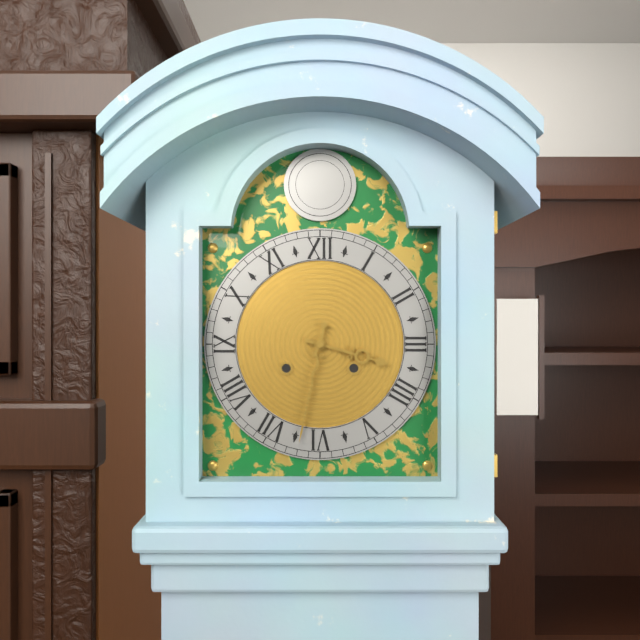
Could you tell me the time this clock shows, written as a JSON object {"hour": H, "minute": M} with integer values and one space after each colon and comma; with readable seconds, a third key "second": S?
{"hour": 3, "minute": 32}
